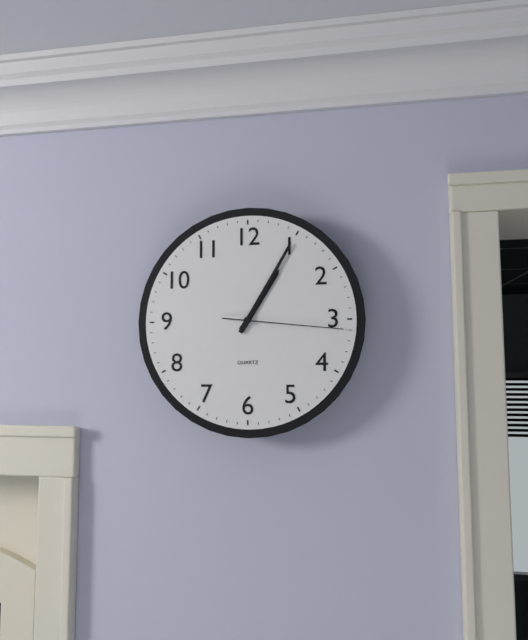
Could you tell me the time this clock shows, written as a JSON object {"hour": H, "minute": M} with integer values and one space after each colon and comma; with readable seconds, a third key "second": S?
{"hour": 1, "minute": 5, "second": 16}
